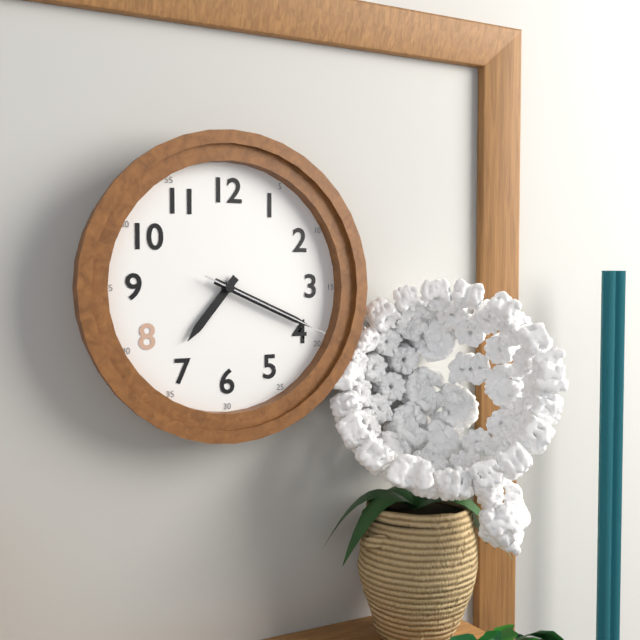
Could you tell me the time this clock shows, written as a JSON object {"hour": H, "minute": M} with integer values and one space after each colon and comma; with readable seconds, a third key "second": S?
{"hour": 7, "minute": 19, "second": 19}
